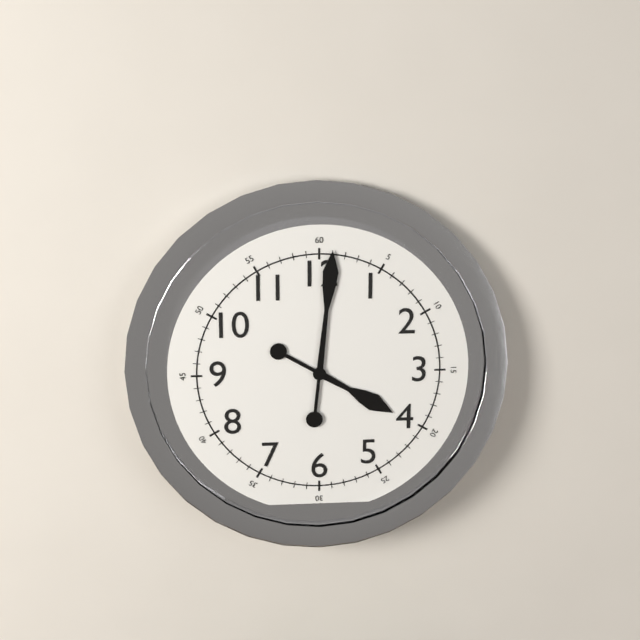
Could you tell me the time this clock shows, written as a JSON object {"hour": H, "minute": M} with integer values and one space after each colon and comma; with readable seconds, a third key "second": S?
{"hour": 4, "minute": 1}
